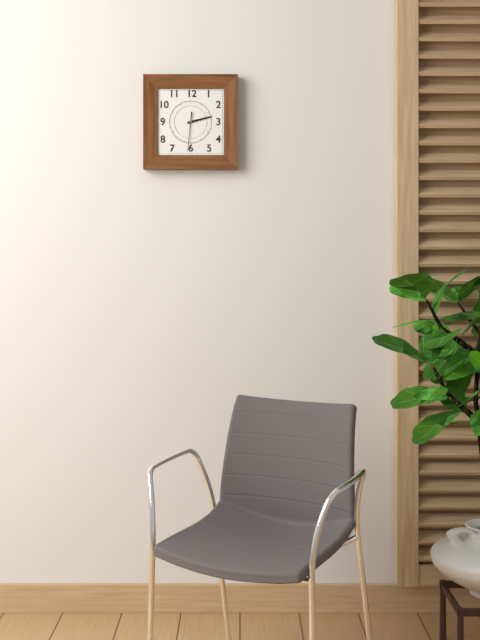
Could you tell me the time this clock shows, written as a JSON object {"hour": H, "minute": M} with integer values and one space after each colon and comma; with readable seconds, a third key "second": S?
{"hour": 2, "minute": 31}
